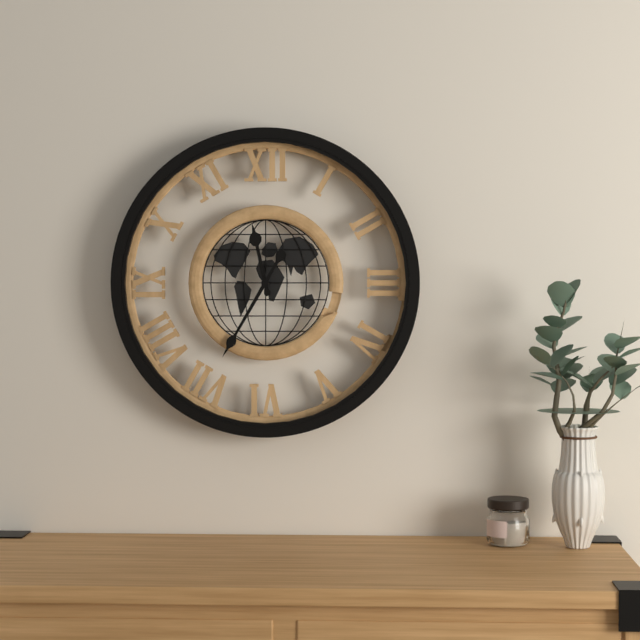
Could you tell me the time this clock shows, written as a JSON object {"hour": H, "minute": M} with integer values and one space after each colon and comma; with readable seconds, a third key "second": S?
{"hour": 11, "minute": 35}
